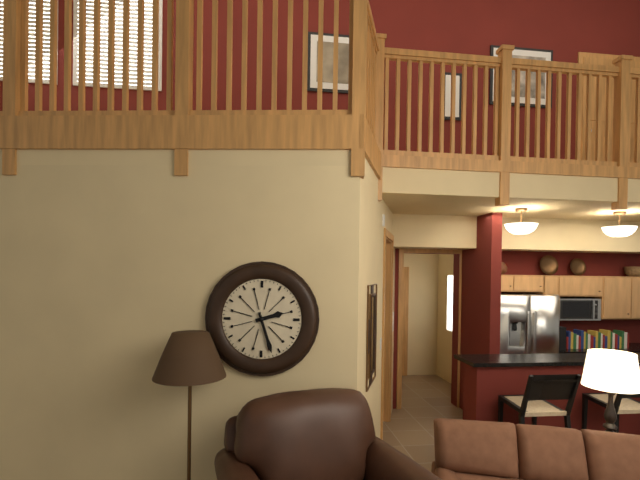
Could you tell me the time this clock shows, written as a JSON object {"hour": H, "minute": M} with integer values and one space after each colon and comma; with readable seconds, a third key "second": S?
{"hour": 2, "minute": 27}
